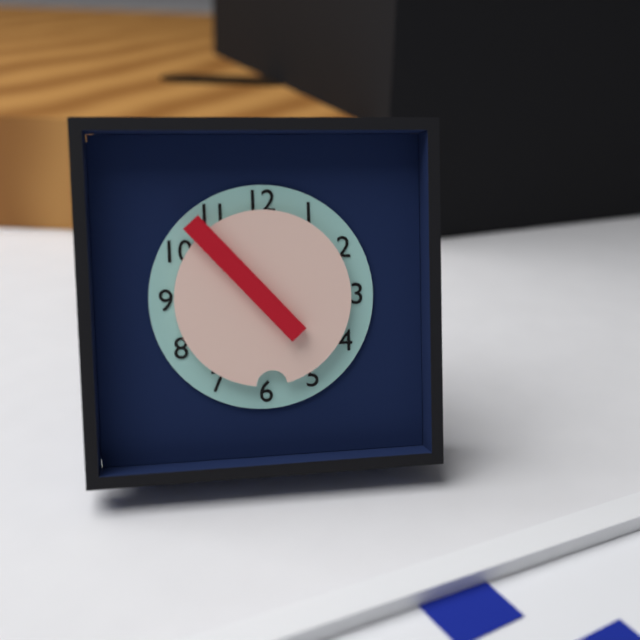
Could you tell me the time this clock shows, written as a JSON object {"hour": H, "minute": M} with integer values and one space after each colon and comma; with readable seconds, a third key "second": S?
{"hour": 5, "minute": 53}
